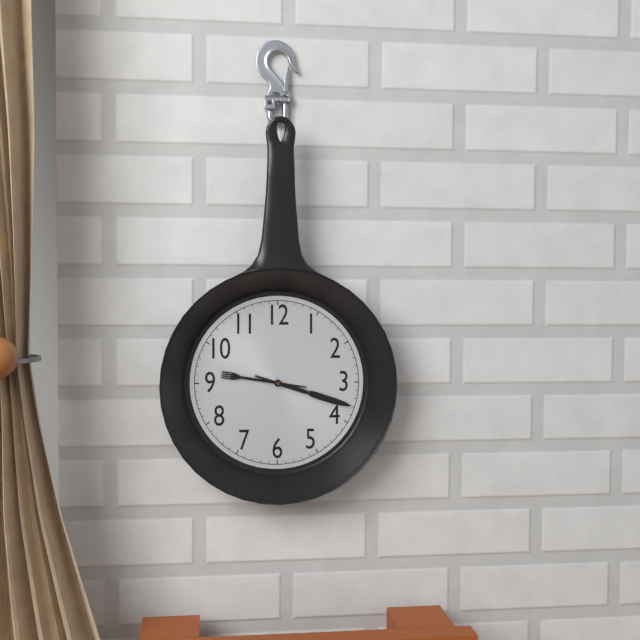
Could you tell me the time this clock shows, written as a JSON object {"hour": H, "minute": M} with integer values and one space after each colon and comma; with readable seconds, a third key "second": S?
{"hour": 9, "minute": 18}
